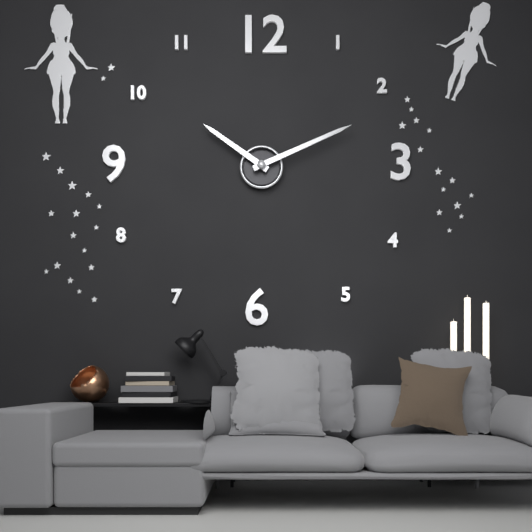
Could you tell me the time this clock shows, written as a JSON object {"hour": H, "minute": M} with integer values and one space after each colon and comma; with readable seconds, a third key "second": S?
{"hour": 10, "minute": 11}
